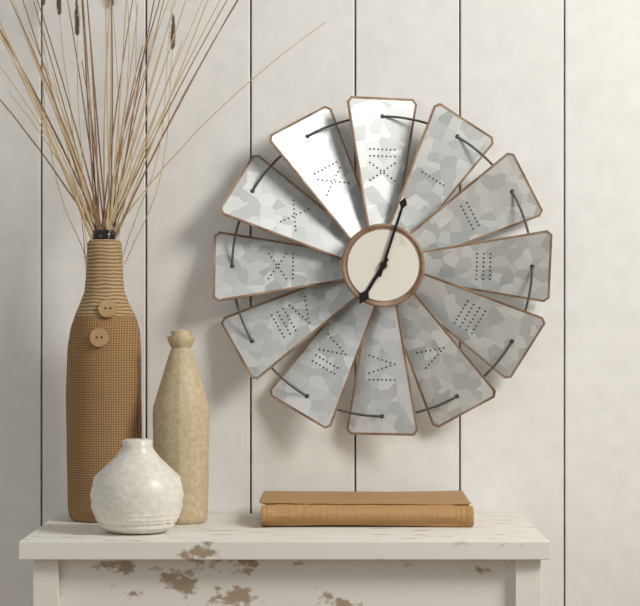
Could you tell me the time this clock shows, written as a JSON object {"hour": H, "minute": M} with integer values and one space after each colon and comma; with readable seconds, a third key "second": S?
{"hour": 7, "minute": 3}
